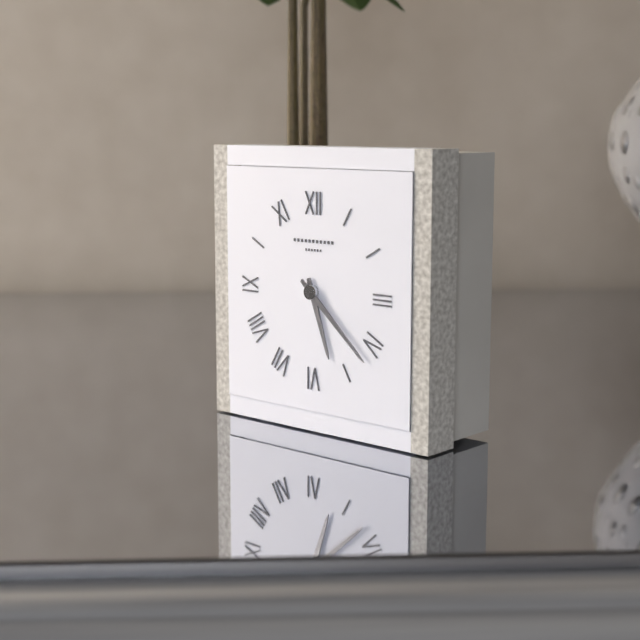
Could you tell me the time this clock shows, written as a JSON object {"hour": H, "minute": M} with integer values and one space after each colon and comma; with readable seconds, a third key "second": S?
{"hour": 5, "minute": 22}
